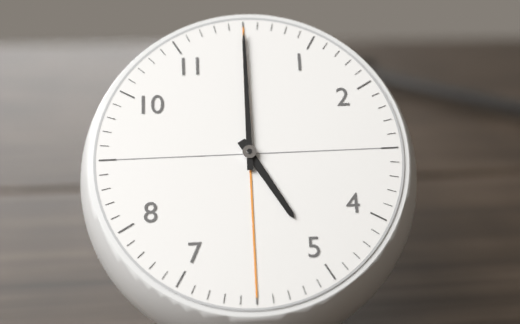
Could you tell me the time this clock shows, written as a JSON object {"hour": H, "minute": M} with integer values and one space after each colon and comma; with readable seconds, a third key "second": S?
{"hour": 5, "minute": 0}
